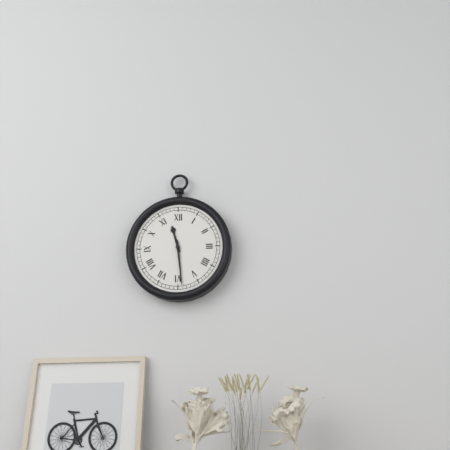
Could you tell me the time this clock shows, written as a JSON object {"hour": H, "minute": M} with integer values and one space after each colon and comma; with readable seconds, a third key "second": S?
{"hour": 11, "minute": 29}
